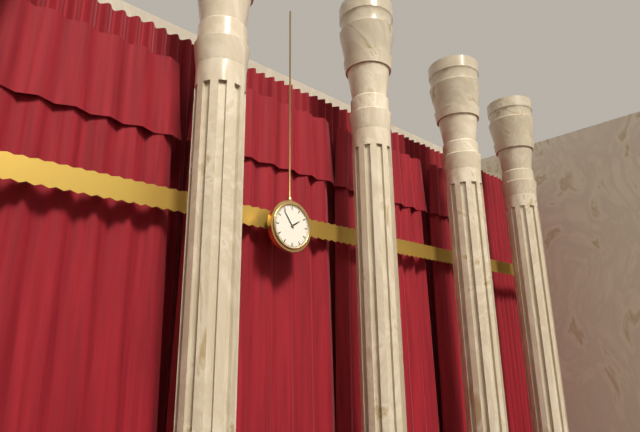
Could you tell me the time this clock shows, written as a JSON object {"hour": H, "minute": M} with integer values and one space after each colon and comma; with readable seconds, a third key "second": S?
{"hour": 1, "minute": 54}
